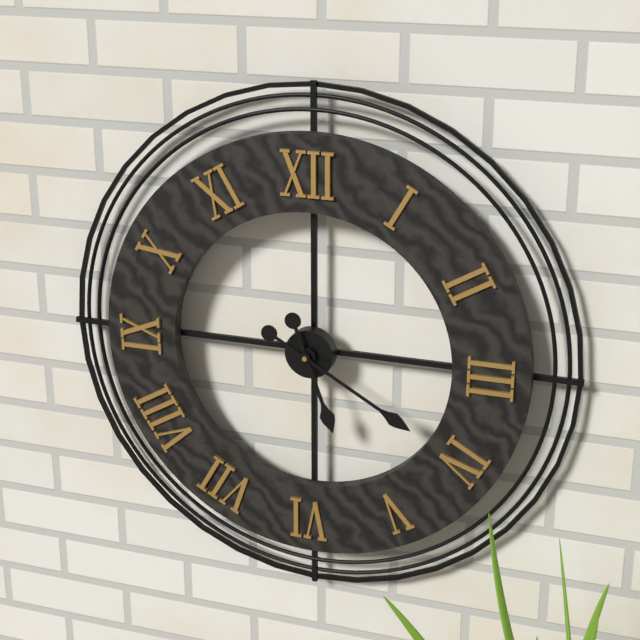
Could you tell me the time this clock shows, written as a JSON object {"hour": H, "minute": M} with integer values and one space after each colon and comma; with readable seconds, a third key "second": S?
{"hour": 5, "minute": 20}
